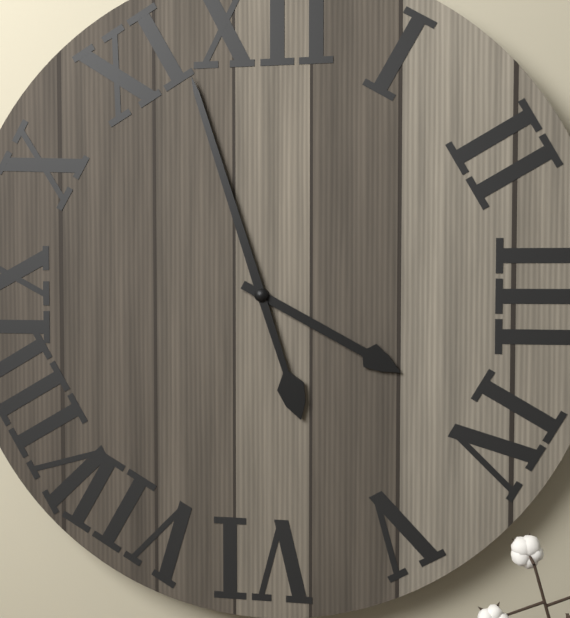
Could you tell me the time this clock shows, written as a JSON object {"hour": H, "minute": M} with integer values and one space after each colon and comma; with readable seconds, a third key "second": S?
{"hour": 3, "minute": 57}
